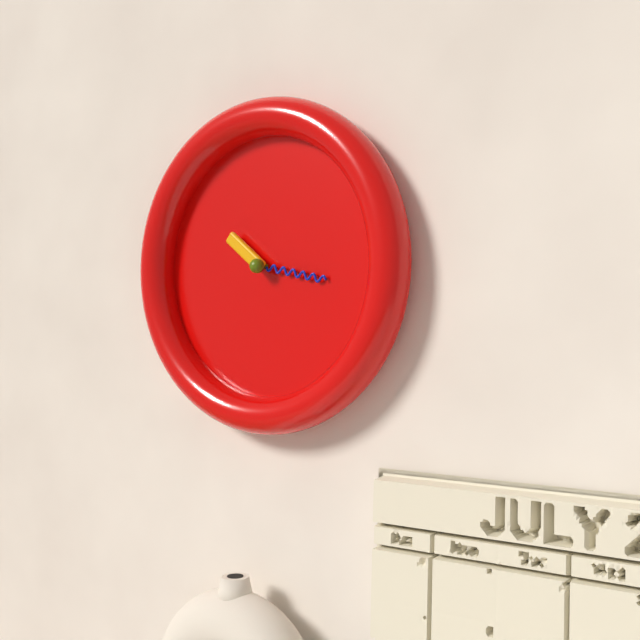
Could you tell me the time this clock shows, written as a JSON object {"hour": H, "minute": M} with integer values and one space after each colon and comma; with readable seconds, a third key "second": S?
{"hour": 10, "minute": 17}
